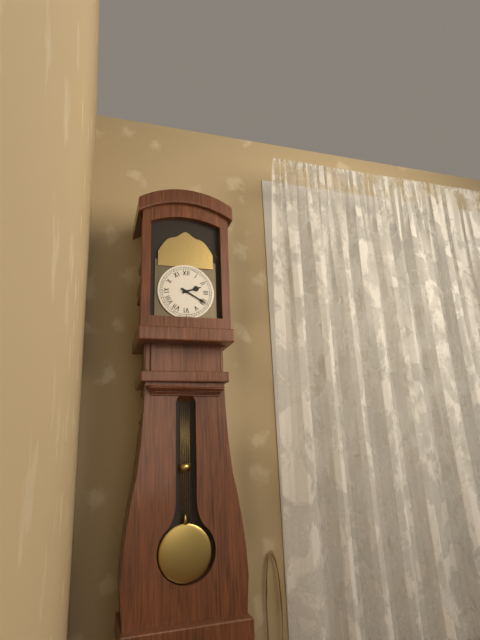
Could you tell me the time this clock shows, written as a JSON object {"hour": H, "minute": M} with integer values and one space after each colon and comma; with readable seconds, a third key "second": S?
{"hour": 2, "minute": 20}
